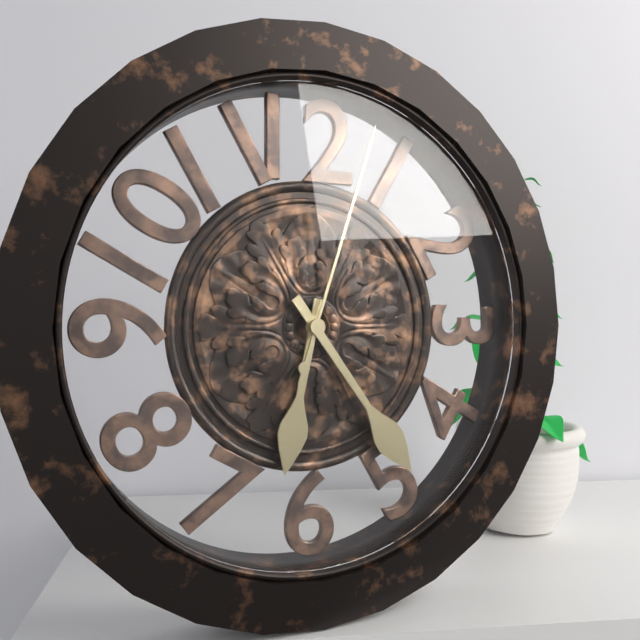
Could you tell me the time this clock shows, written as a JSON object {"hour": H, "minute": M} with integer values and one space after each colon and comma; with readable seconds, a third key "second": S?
{"hour": 6, "minute": 24, "second": 3}
